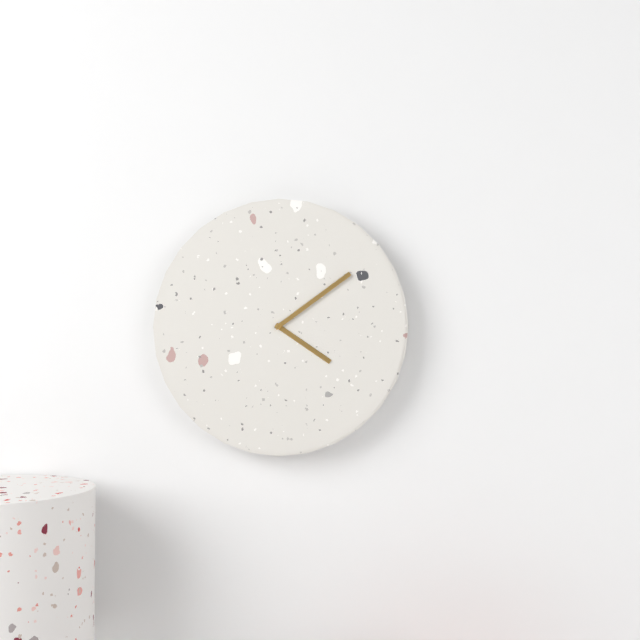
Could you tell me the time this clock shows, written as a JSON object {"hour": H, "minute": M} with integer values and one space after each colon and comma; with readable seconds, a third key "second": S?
{"hour": 4, "minute": 9}
